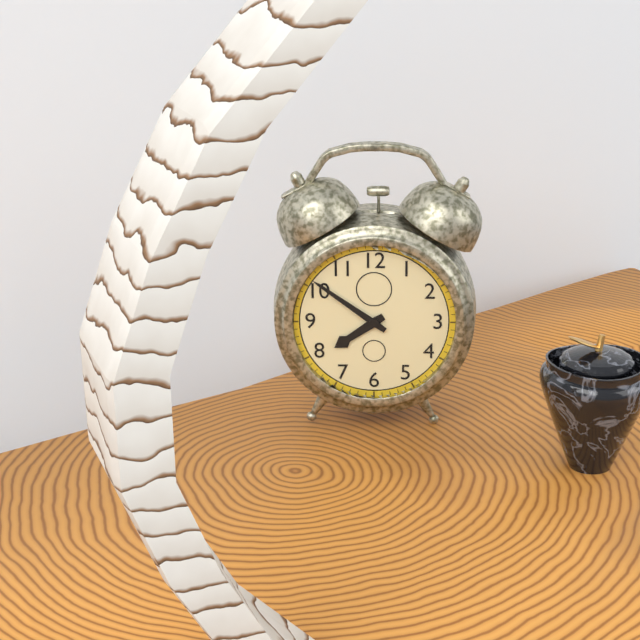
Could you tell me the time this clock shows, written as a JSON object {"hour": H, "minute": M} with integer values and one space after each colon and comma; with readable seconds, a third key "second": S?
{"hour": 7, "minute": 51}
